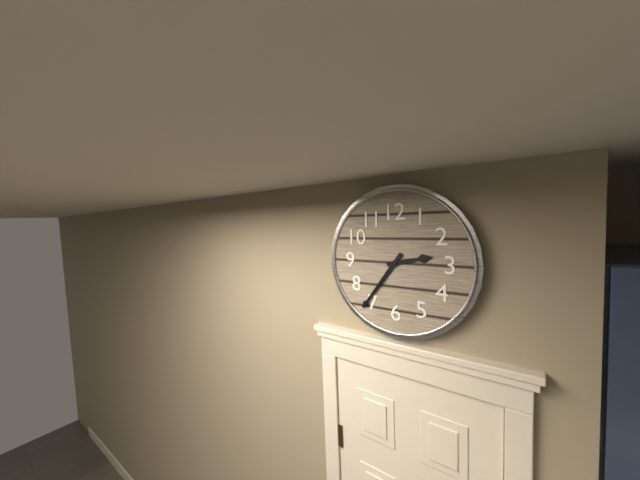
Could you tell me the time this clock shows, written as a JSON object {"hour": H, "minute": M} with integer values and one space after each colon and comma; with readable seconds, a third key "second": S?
{"hour": 2, "minute": 36}
